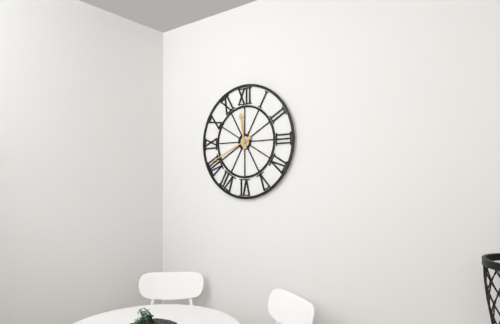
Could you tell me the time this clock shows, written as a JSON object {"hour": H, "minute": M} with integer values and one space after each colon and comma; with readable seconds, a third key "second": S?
{"hour": 11, "minute": 41}
